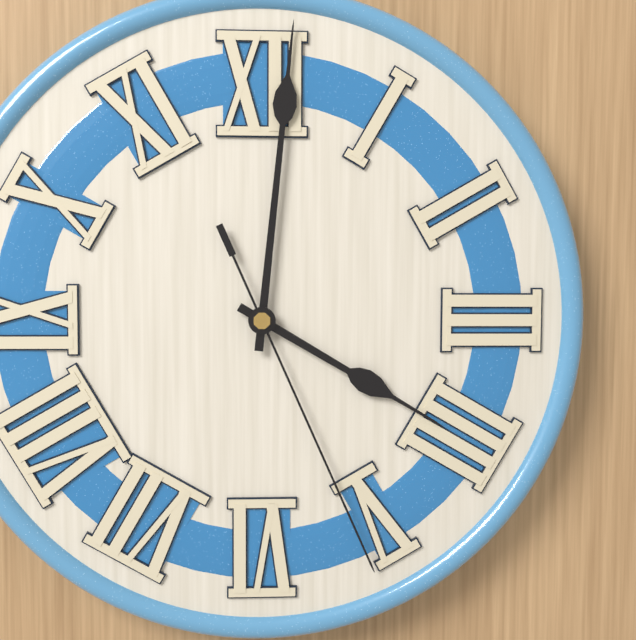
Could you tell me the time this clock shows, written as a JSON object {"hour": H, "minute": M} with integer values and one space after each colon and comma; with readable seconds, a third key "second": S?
{"hour": 4, "minute": 1, "second": 26}
